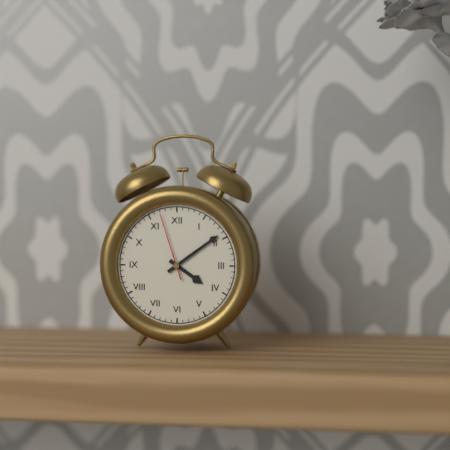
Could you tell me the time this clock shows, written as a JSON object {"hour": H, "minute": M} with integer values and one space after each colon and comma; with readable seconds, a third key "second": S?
{"hour": 4, "minute": 9, "second": 57}
